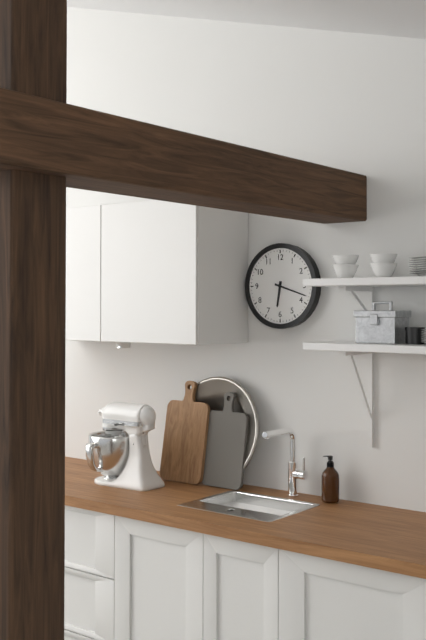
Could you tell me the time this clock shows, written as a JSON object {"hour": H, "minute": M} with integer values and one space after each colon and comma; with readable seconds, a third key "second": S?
{"hour": 6, "minute": 18}
